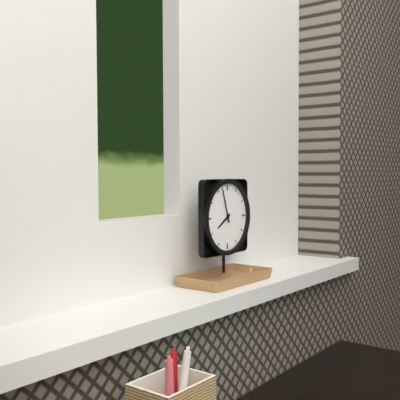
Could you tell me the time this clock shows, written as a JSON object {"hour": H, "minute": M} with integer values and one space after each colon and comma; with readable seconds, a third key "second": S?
{"hour": 7, "minute": 57}
